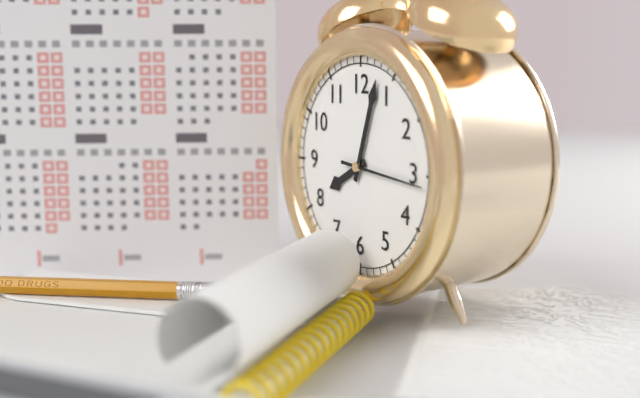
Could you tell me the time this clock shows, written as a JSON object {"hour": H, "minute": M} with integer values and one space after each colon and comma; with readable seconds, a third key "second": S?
{"hour": 8, "minute": 3, "second": 16}
